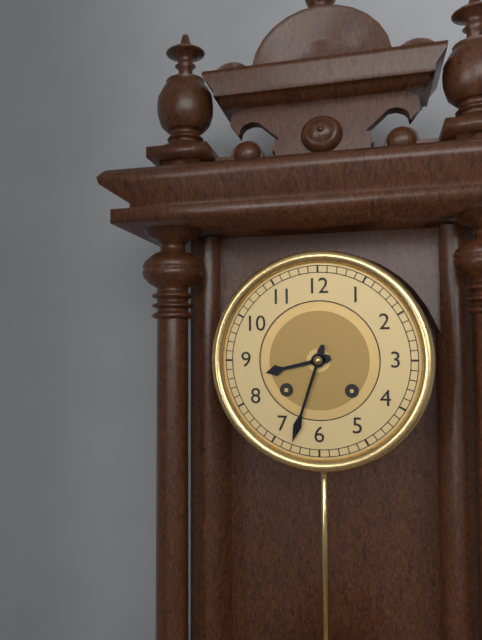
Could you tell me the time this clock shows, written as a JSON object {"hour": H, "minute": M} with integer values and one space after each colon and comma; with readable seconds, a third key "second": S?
{"hour": 8, "minute": 33}
